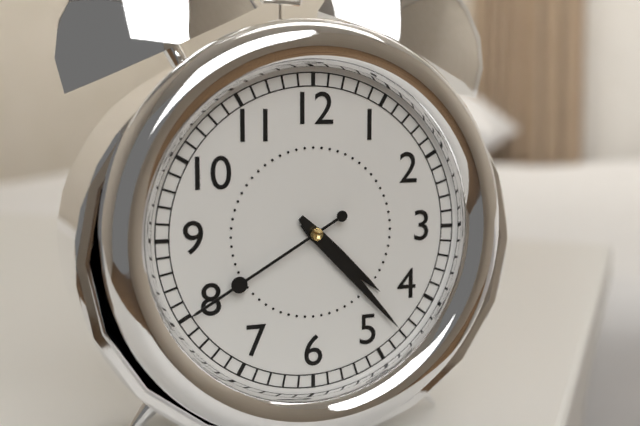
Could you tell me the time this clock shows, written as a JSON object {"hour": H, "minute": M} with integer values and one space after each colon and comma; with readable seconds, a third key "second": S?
{"hour": 4, "minute": 23, "second": 40}
